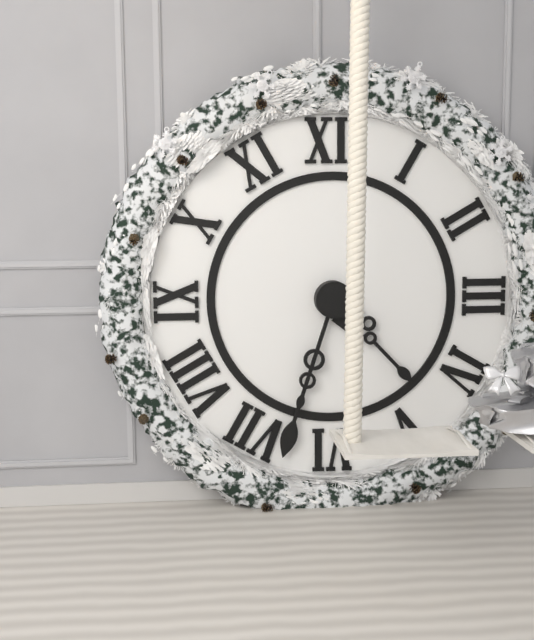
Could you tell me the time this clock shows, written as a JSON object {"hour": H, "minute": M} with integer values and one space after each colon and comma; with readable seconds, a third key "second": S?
{"hour": 4, "minute": 33}
